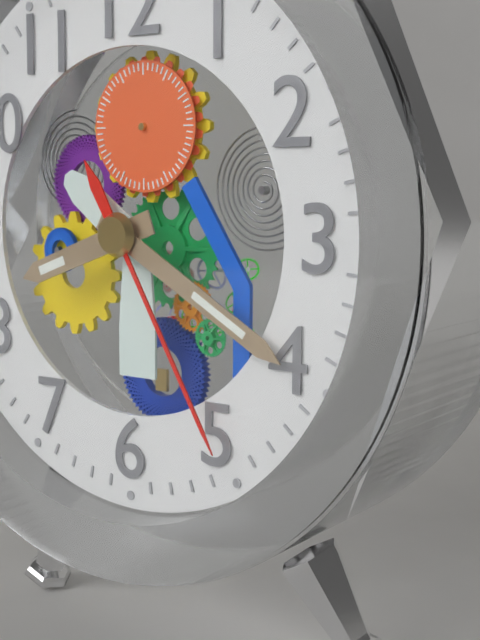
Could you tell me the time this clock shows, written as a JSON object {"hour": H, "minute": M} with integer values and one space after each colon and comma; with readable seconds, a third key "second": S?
{"hour": 8, "minute": 20, "second": 25}
